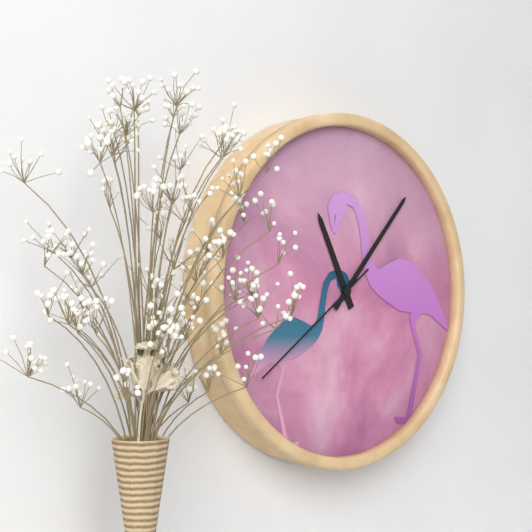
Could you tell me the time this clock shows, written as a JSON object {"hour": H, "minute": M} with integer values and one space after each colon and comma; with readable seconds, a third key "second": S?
{"hour": 11, "minute": 7, "second": 39}
